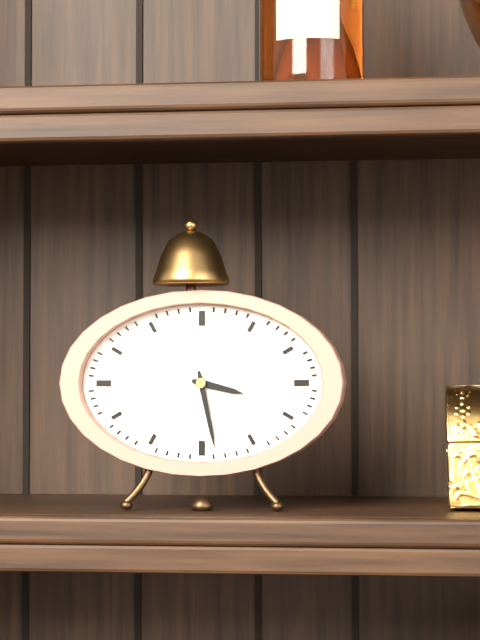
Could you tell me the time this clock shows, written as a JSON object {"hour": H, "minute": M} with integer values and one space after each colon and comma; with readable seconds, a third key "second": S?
{"hour": 3, "minute": 28}
